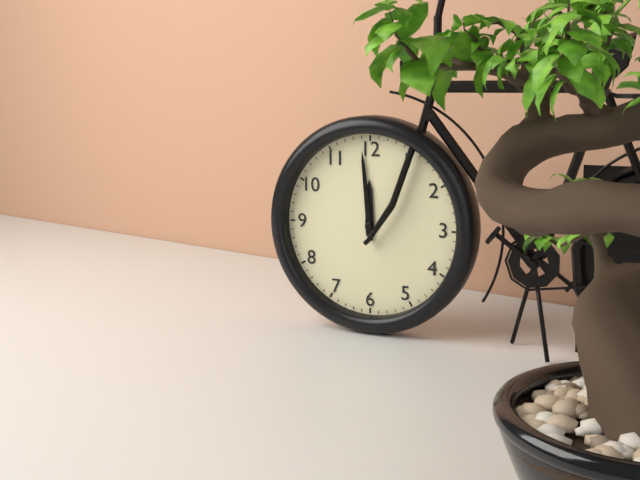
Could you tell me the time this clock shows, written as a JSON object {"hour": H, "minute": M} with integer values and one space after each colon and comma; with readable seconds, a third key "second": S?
{"hour": 11, "minute": 59}
